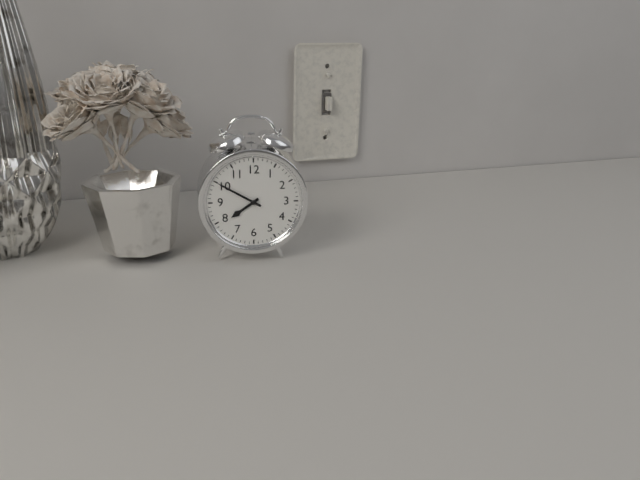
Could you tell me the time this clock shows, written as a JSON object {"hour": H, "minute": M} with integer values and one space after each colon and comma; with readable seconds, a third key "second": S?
{"hour": 7, "minute": 50}
